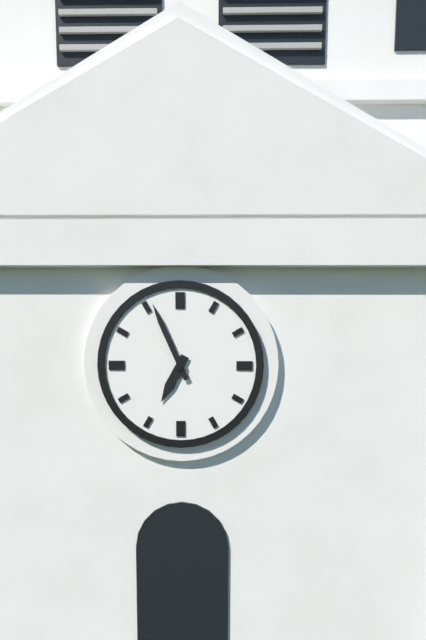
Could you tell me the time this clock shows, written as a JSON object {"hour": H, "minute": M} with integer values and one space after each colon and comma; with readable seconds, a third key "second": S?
{"hour": 6, "minute": 56}
